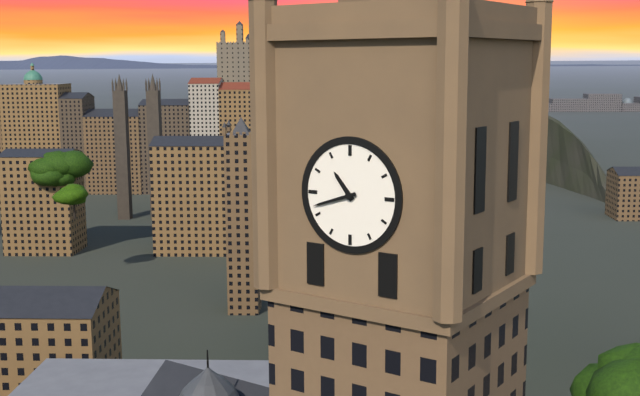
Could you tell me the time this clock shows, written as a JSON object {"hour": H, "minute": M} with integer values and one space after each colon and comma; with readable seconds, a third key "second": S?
{"hour": 10, "minute": 42}
